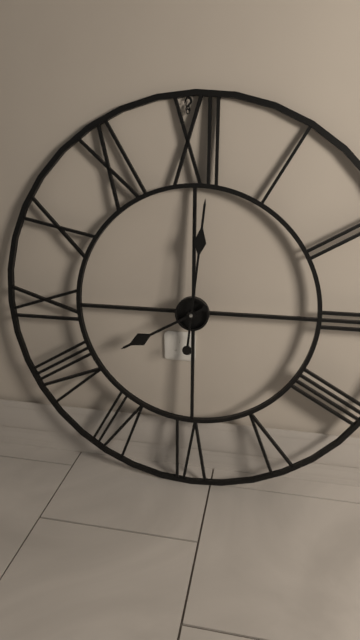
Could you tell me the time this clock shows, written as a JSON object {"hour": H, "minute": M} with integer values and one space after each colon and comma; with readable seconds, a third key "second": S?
{"hour": 8, "minute": 1}
